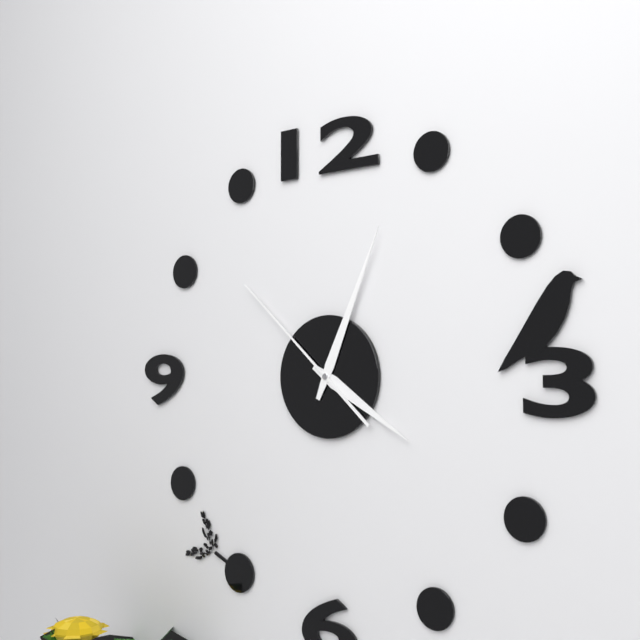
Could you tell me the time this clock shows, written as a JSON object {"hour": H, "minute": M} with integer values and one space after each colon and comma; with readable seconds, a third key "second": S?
{"hour": 4, "minute": 4, "second": 52}
